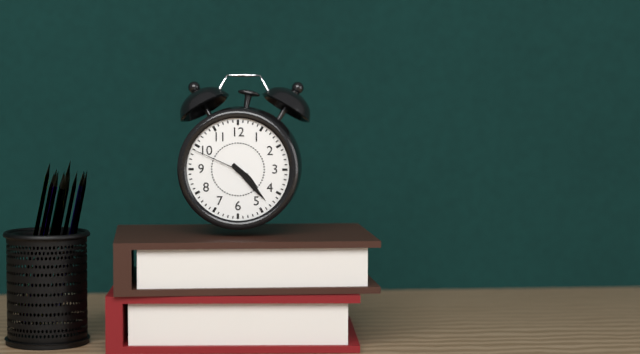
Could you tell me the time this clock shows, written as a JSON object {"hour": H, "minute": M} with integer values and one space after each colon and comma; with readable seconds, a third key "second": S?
{"hour": 4, "minute": 23, "second": 49}
